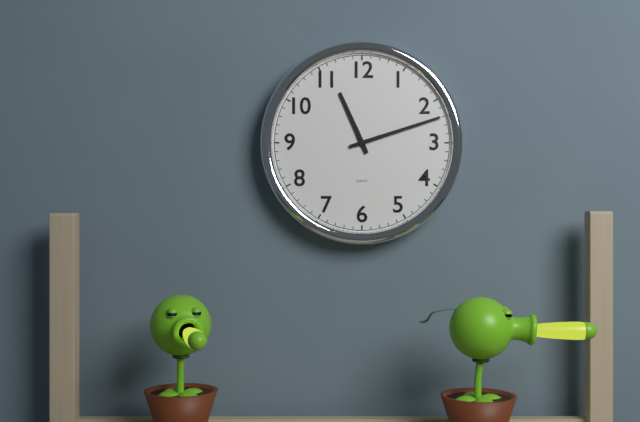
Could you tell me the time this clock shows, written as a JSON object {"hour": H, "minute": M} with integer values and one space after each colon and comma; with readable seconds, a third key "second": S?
{"hour": 11, "minute": 12}
